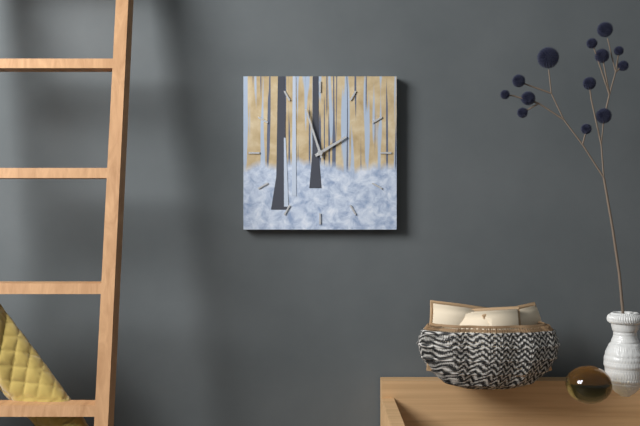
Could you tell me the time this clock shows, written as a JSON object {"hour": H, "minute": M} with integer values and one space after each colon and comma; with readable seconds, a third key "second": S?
{"hour": 1, "minute": 57}
